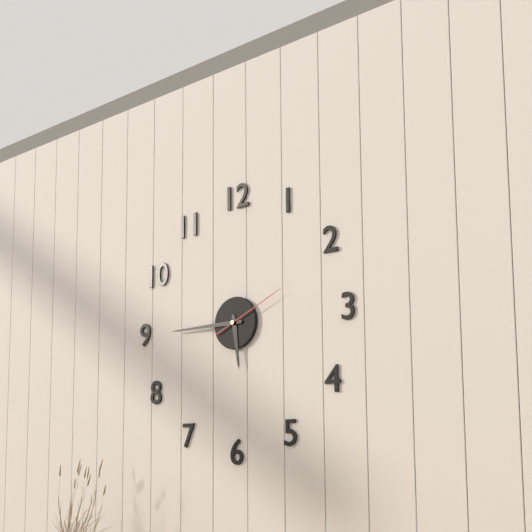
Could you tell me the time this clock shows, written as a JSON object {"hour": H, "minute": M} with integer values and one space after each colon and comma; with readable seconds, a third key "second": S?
{"hour": 5, "minute": 45, "second": 11}
